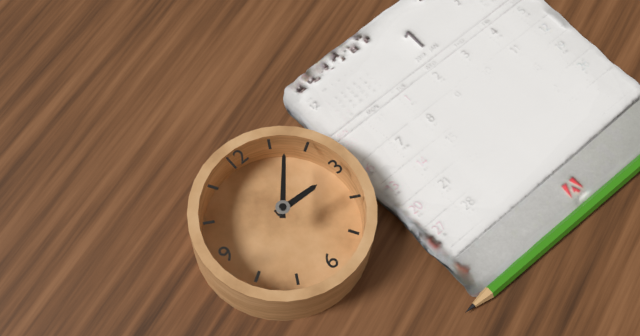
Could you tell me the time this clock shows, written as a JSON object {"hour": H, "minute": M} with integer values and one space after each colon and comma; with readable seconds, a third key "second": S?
{"hour": 3, "minute": 7}
